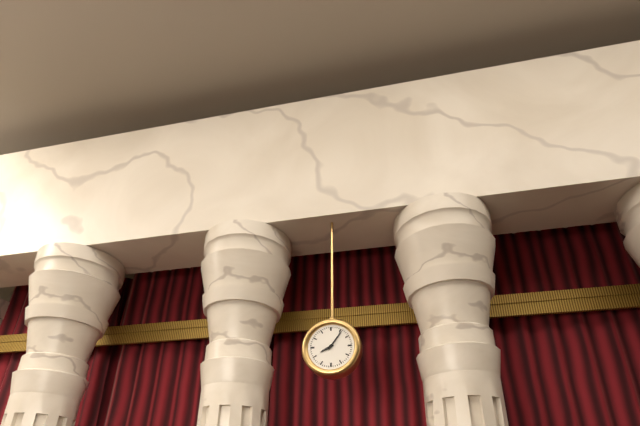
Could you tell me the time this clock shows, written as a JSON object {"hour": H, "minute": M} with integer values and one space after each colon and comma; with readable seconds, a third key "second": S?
{"hour": 8, "minute": 6}
